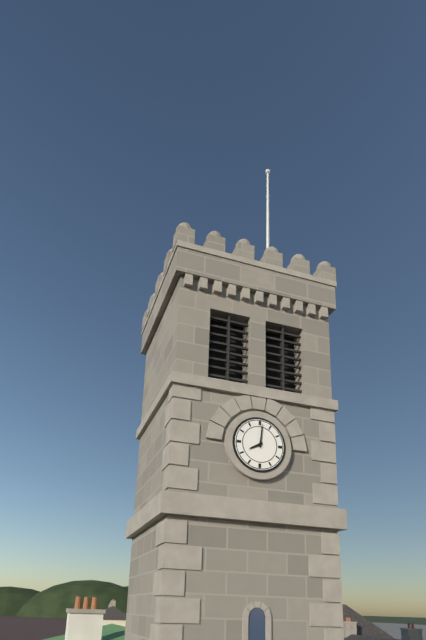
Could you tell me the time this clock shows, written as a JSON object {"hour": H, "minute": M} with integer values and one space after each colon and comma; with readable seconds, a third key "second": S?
{"hour": 8, "minute": 1}
